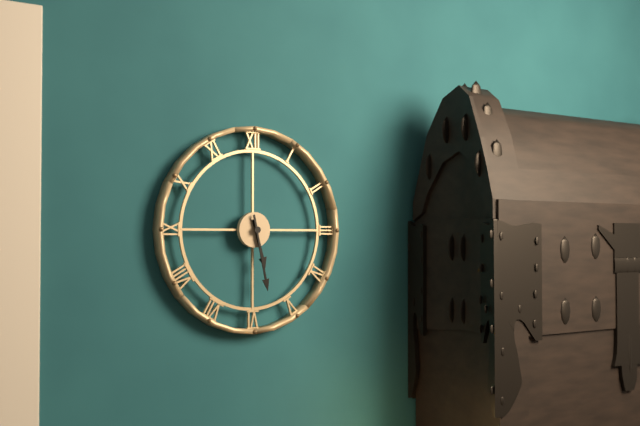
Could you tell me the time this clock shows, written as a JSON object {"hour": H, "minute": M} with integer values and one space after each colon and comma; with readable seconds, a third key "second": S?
{"hour": 5, "minute": 28}
